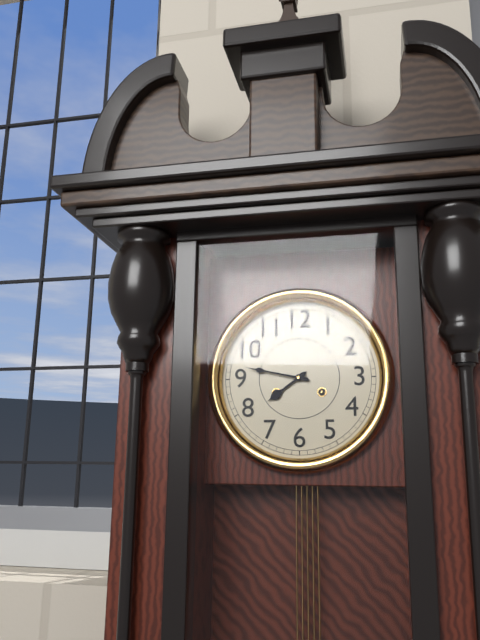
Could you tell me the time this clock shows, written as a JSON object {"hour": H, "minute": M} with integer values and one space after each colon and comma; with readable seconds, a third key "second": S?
{"hour": 7, "minute": 47}
